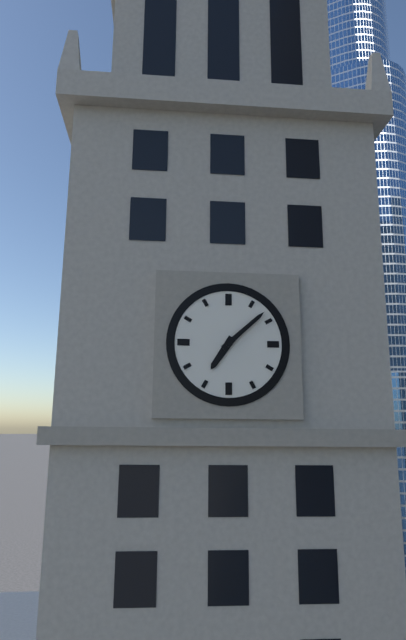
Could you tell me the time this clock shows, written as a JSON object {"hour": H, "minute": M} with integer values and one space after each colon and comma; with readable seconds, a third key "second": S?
{"hour": 7, "minute": 8}
